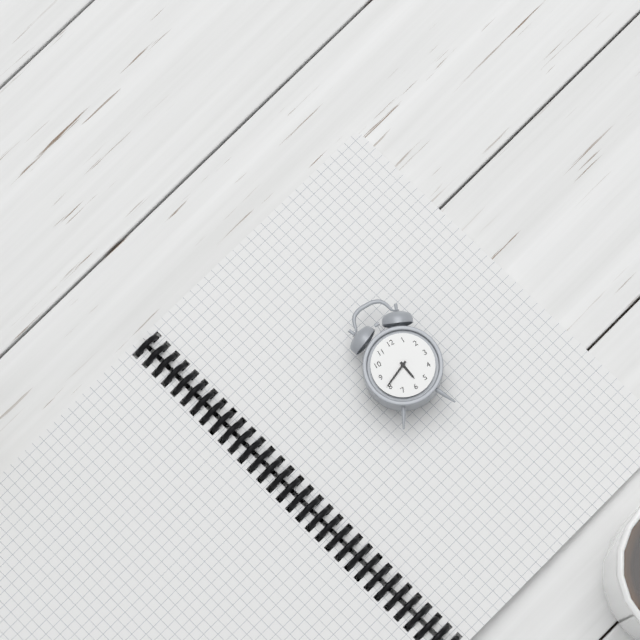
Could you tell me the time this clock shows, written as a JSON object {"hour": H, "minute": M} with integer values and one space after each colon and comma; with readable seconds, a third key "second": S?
{"hour": 5, "minute": 41}
